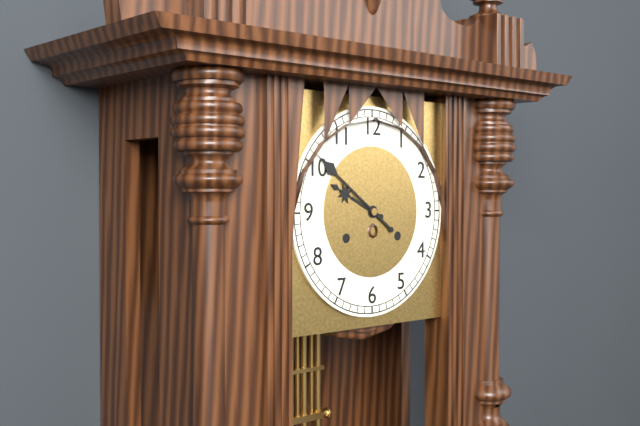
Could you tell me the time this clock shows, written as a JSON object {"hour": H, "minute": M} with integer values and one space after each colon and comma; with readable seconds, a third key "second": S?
{"hour": 9, "minute": 51}
